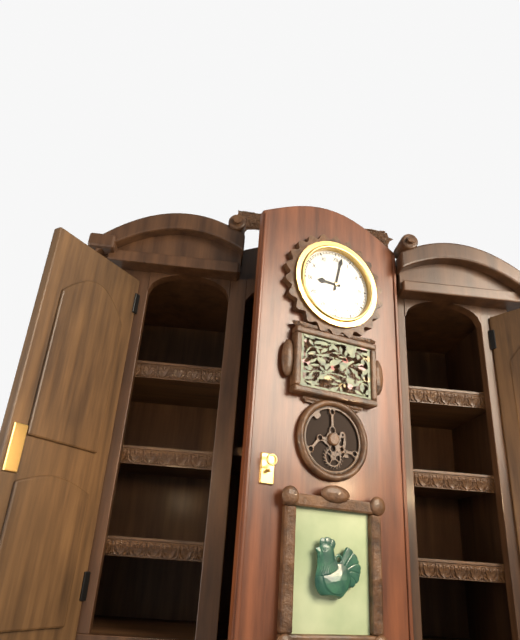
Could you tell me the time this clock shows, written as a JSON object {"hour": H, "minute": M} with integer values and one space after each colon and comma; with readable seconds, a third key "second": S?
{"hour": 9, "minute": 2}
